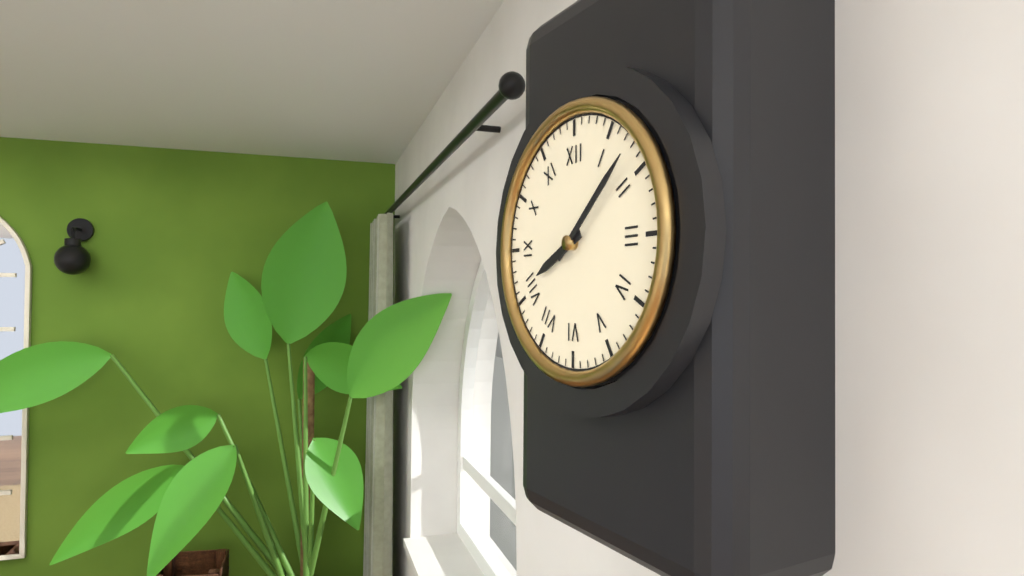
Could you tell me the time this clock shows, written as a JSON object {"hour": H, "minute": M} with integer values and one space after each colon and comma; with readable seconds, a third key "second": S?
{"hour": 8, "minute": 8}
